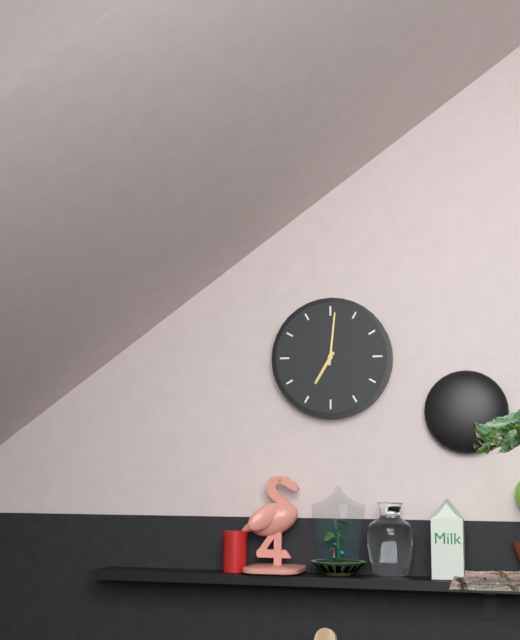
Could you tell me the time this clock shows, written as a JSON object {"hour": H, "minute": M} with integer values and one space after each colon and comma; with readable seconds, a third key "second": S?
{"hour": 7, "minute": 1}
